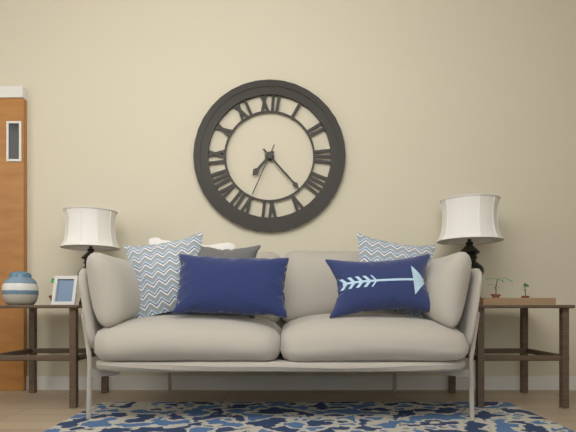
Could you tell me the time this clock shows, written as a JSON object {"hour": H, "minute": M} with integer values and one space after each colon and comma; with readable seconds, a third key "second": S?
{"hour": 7, "minute": 23, "second": 34}
